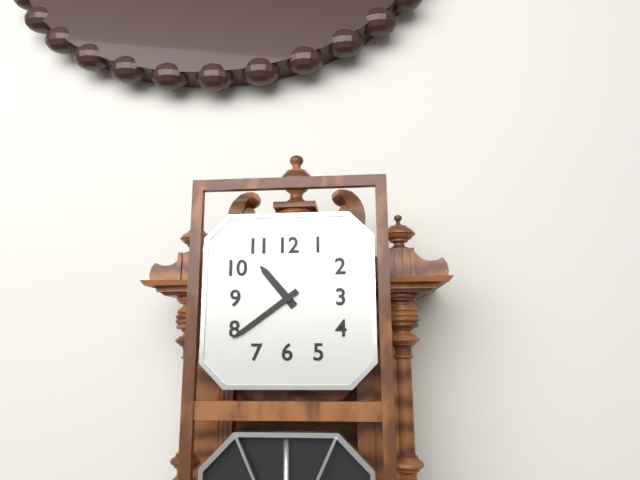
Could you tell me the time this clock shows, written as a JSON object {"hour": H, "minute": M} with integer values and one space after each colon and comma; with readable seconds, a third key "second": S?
{"hour": 10, "minute": 39}
